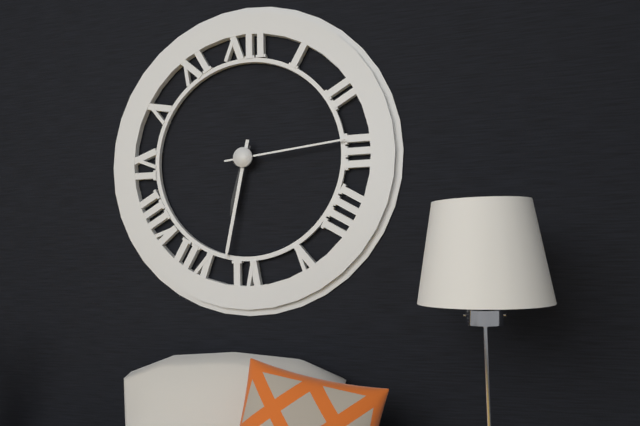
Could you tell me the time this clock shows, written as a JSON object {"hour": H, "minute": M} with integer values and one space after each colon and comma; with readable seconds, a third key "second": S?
{"hour": 6, "minute": 32, "second": 14}
